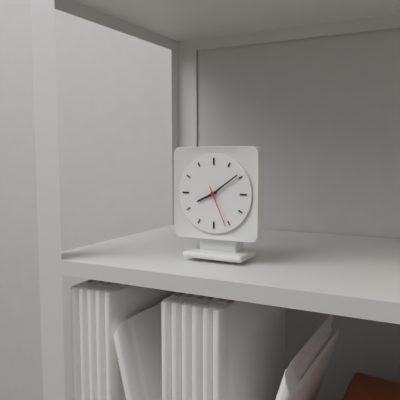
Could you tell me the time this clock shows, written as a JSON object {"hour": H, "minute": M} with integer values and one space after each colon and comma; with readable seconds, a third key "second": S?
{"hour": 8, "minute": 9}
